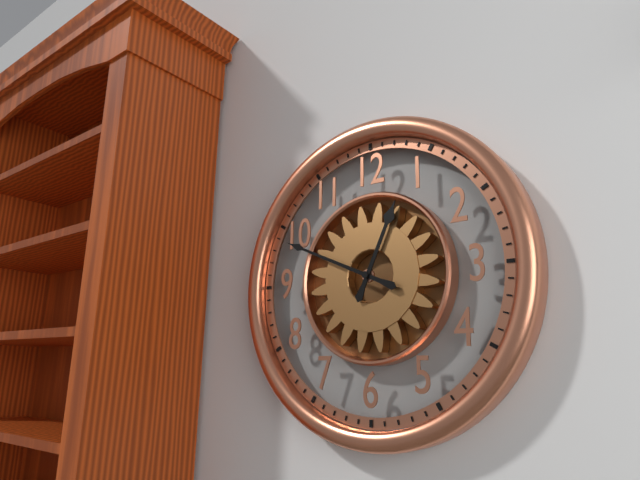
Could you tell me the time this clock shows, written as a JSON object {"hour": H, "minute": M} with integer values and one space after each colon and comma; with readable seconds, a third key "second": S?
{"hour": 12, "minute": 49}
